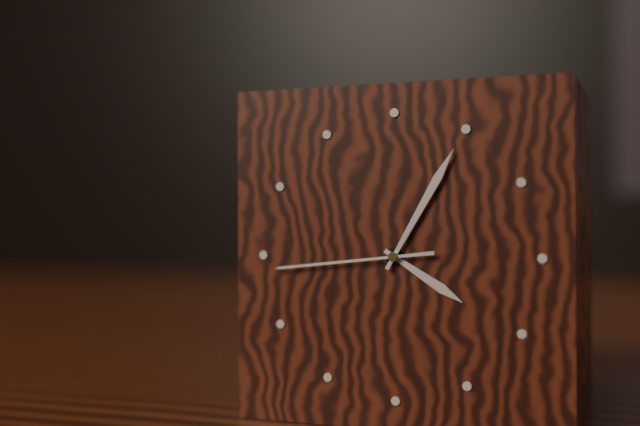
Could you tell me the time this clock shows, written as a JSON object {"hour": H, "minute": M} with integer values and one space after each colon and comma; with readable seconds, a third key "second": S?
{"hour": 4, "minute": 5, "second": 44}
